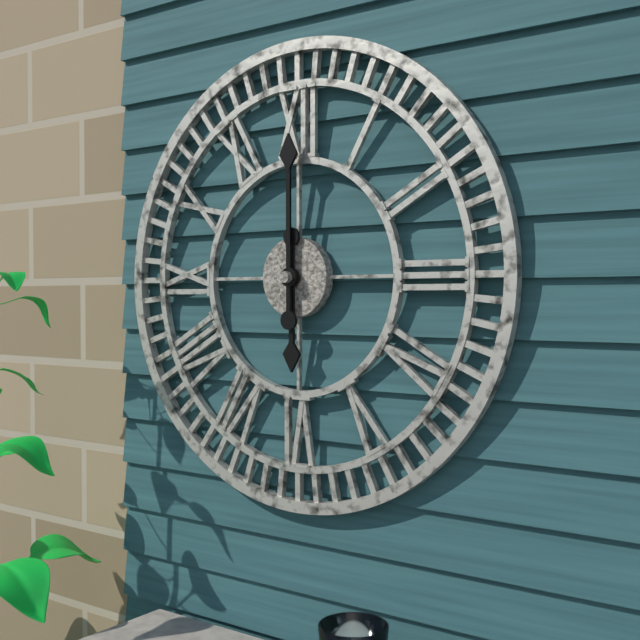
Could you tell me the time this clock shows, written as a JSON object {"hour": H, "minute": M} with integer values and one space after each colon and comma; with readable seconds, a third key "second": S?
{"hour": 6, "minute": 0}
